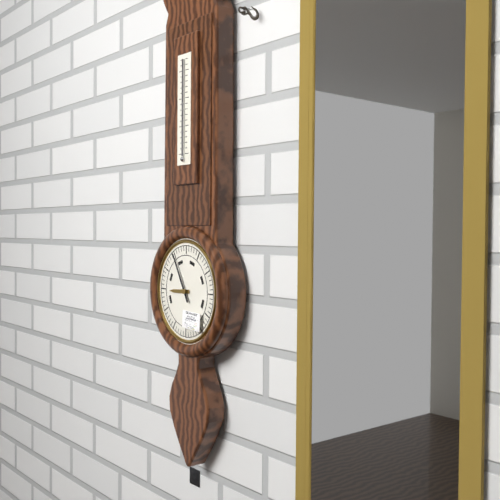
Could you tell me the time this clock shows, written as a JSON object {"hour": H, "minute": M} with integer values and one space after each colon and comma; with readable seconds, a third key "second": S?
{"hour": 8, "minute": 55}
